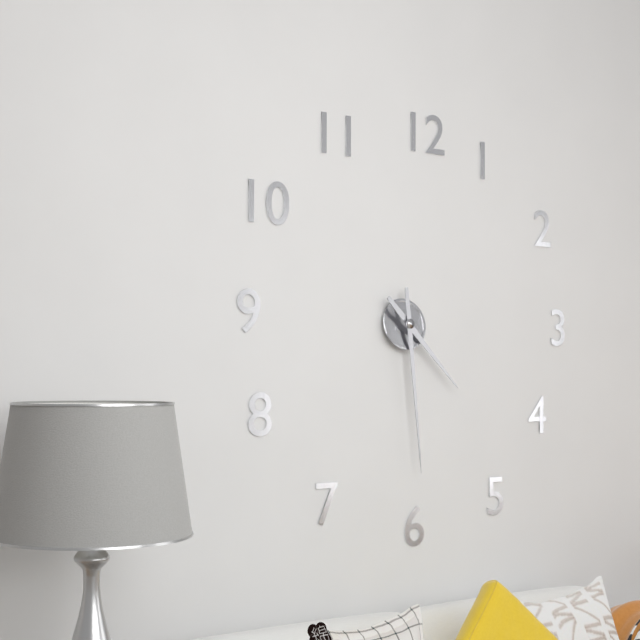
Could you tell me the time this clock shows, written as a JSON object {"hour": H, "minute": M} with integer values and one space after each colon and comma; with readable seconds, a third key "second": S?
{"hour": 4, "minute": 29}
